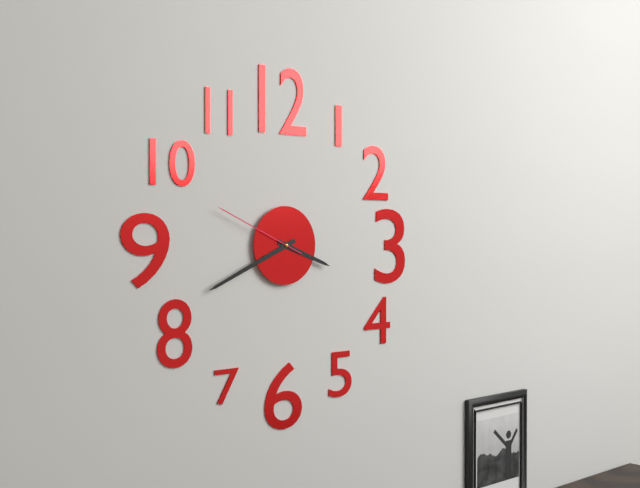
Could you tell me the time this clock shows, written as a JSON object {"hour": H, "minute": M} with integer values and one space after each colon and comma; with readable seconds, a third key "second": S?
{"hour": 3, "minute": 41, "second": 49}
